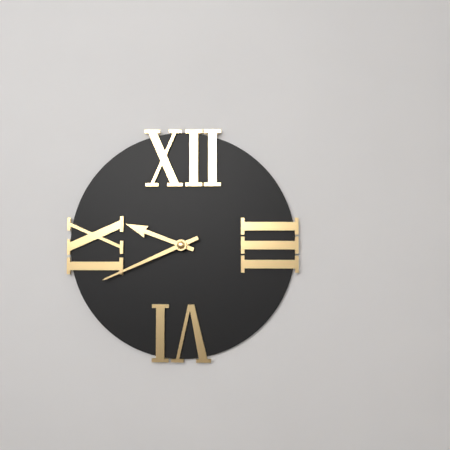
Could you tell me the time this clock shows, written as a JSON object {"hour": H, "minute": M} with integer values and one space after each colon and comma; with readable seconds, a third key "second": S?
{"hour": 9, "minute": 41}
